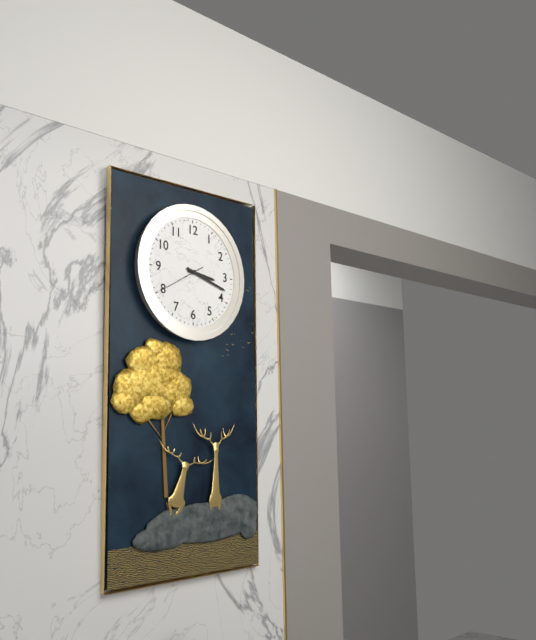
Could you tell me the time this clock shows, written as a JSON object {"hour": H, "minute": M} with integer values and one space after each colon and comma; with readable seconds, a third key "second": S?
{"hour": 3, "minute": 18}
